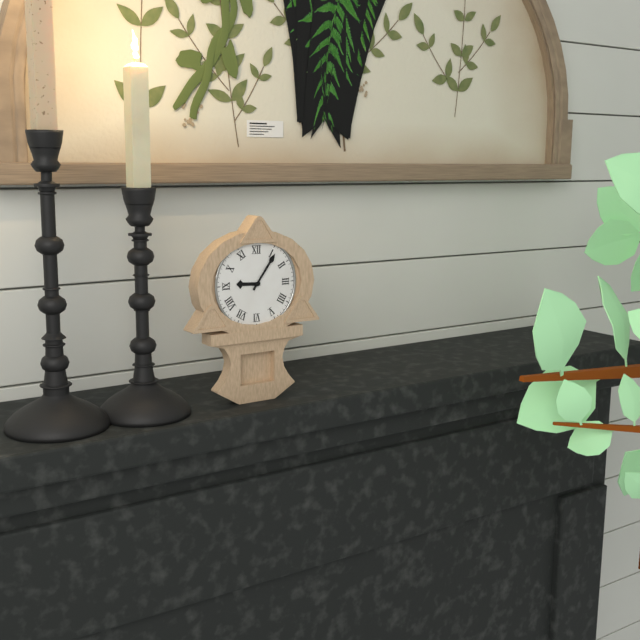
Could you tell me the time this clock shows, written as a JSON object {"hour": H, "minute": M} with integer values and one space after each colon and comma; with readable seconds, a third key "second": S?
{"hour": 9, "minute": 6}
